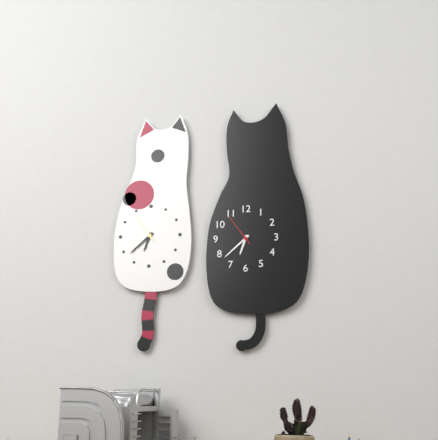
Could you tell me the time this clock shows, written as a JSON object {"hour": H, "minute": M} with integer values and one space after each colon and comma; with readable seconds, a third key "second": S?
{"hour": 6, "minute": 38}
